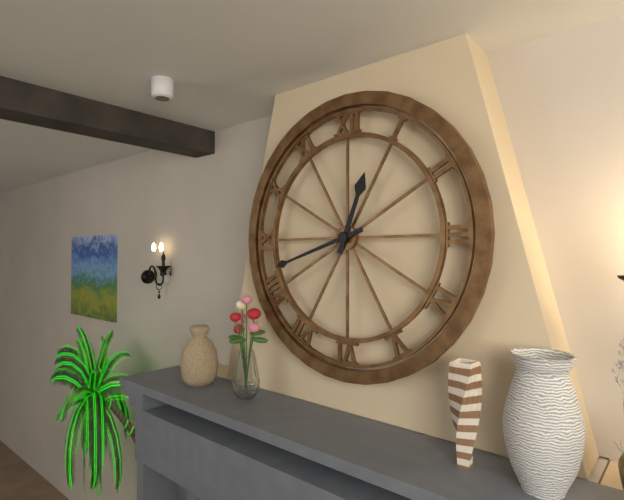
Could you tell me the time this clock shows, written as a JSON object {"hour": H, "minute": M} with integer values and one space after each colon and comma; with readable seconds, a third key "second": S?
{"hour": 12, "minute": 42}
